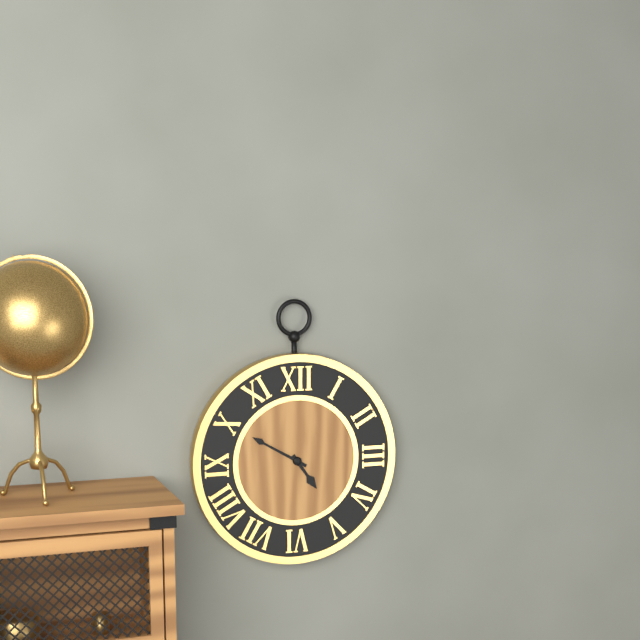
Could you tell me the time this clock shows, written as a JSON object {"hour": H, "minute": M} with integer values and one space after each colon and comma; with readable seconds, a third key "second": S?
{"hour": 4, "minute": 50}
